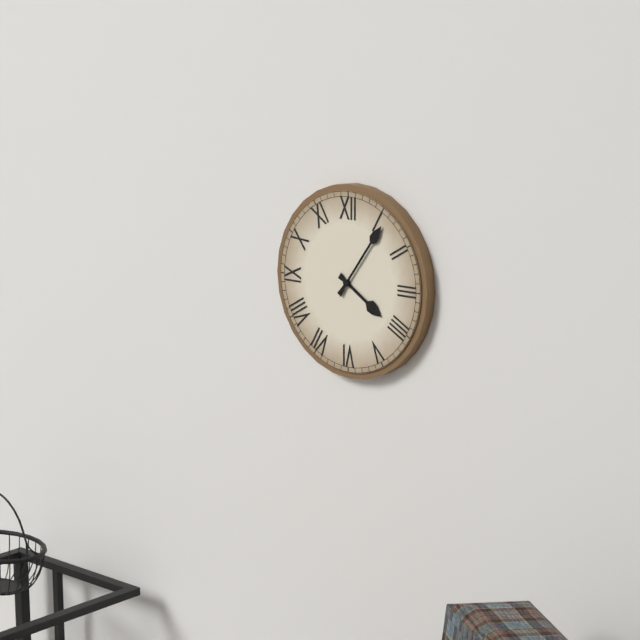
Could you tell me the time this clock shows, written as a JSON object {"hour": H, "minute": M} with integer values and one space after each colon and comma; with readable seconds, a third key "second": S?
{"hour": 4, "minute": 6}
